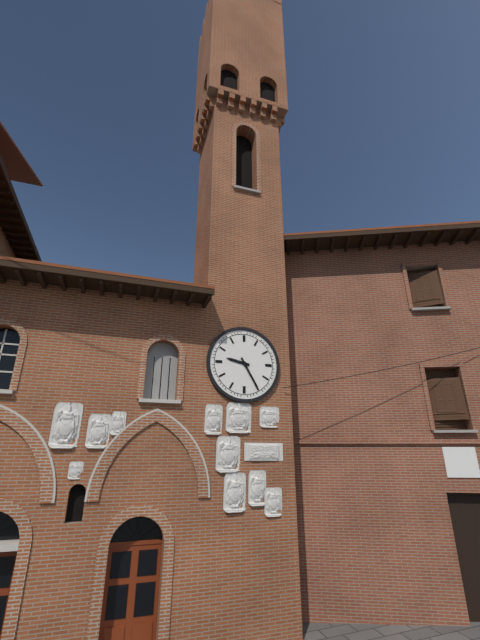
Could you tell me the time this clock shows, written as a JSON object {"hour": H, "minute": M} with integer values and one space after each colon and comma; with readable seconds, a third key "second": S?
{"hour": 9, "minute": 25}
